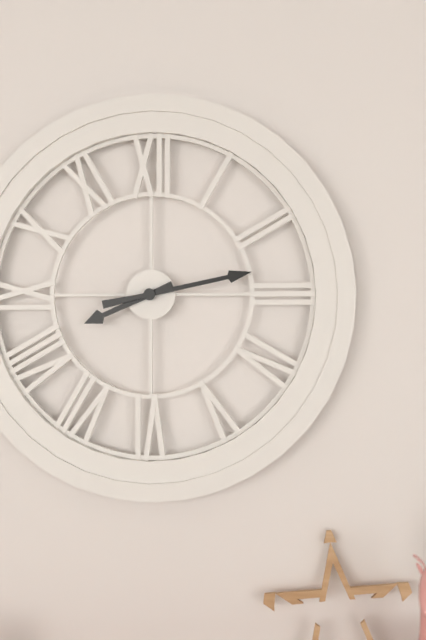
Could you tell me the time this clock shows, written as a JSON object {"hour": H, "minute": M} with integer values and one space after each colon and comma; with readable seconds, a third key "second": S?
{"hour": 8, "minute": 13}
